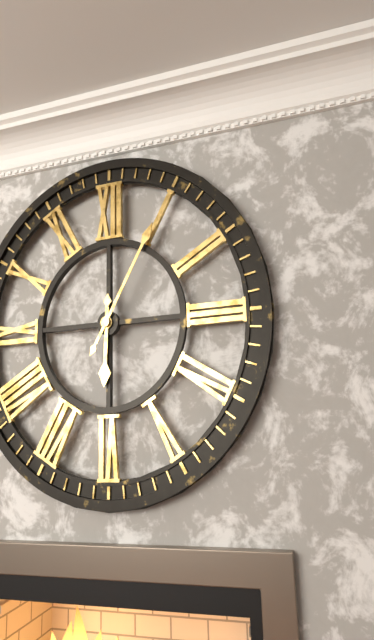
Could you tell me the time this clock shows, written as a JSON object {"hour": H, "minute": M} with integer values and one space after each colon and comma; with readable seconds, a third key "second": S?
{"hour": 6, "minute": 5}
